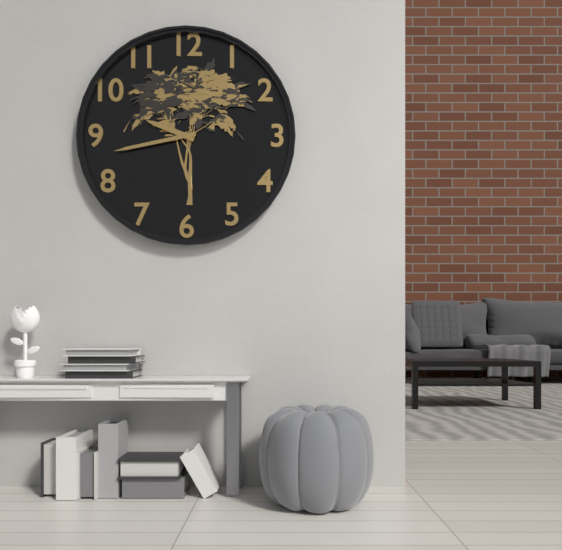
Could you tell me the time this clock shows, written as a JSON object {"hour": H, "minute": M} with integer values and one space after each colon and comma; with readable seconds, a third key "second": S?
{"hour": 9, "minute": 43}
